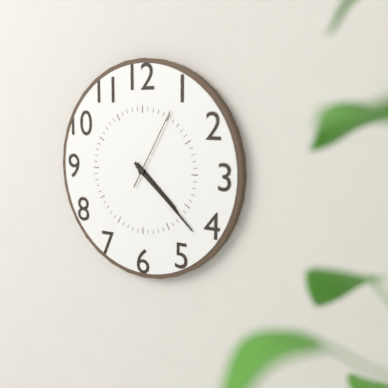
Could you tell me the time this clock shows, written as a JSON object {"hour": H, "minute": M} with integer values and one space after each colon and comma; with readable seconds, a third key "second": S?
{"hour": 4, "minute": 22, "second": 5}
